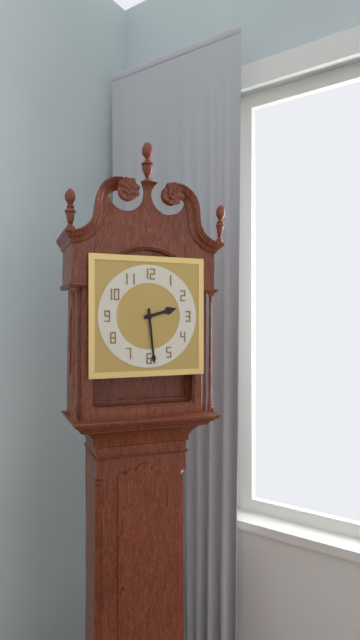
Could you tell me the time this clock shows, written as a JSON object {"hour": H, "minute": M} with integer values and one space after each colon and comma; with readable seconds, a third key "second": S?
{"hour": 2, "minute": 29}
